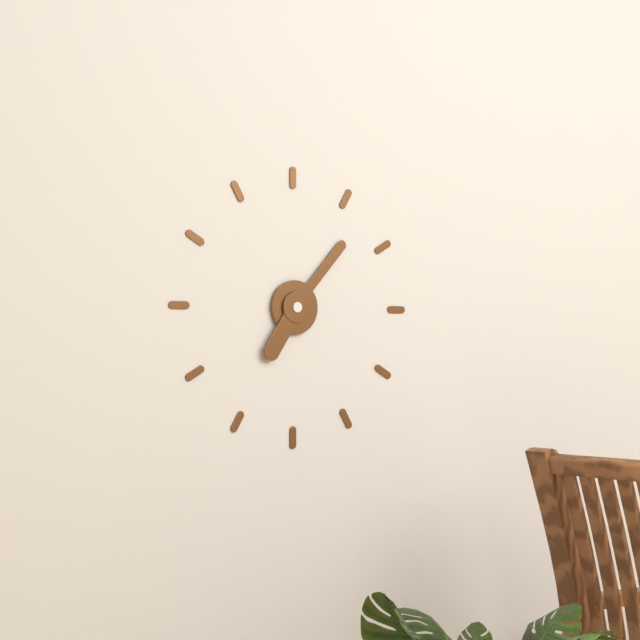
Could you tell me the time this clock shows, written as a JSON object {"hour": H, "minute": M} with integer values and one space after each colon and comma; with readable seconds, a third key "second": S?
{"hour": 7, "minute": 7}
